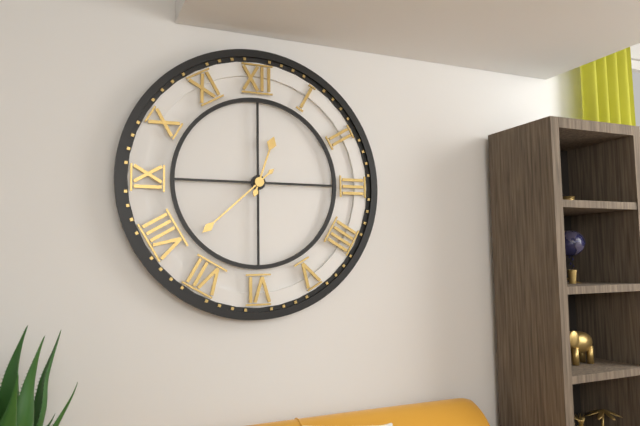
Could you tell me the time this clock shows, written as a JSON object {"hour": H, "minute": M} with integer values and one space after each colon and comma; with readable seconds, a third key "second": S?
{"hour": 12, "minute": 38}
